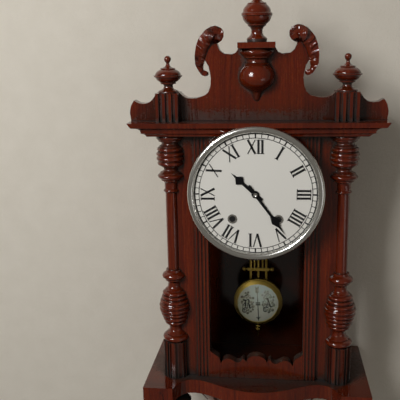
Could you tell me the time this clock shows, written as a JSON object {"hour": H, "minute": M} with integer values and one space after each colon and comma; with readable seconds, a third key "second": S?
{"hour": 10, "minute": 24}
